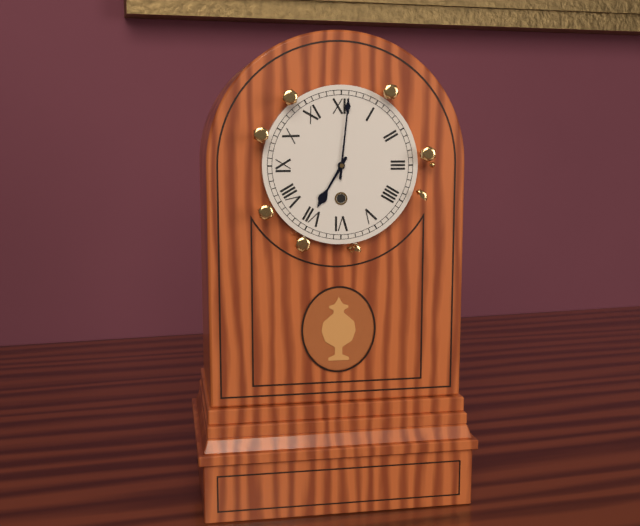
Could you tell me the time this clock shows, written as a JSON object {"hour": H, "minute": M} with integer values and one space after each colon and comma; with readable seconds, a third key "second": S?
{"hour": 7, "minute": 1}
